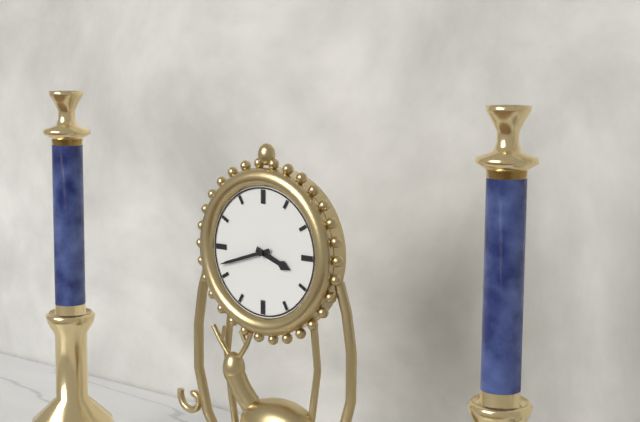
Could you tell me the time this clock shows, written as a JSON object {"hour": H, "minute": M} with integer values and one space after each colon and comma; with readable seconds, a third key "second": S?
{"hour": 3, "minute": 42}
